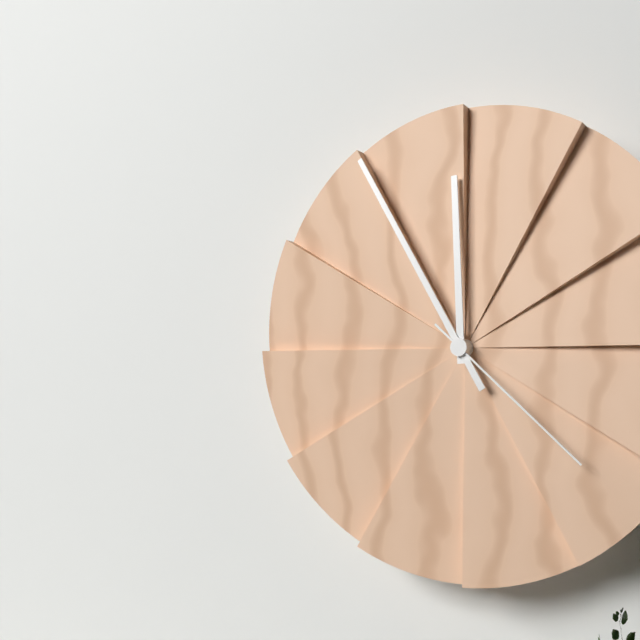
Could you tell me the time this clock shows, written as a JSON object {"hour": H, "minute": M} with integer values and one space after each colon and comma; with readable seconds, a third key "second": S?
{"hour": 11, "minute": 55, "second": 22}
